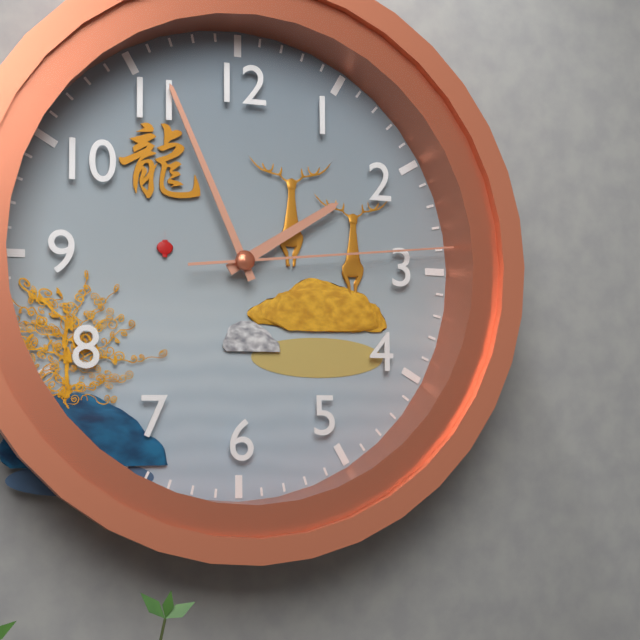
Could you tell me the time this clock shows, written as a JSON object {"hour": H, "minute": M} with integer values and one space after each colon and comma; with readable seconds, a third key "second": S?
{"hour": 1, "minute": 56, "second": 14}
